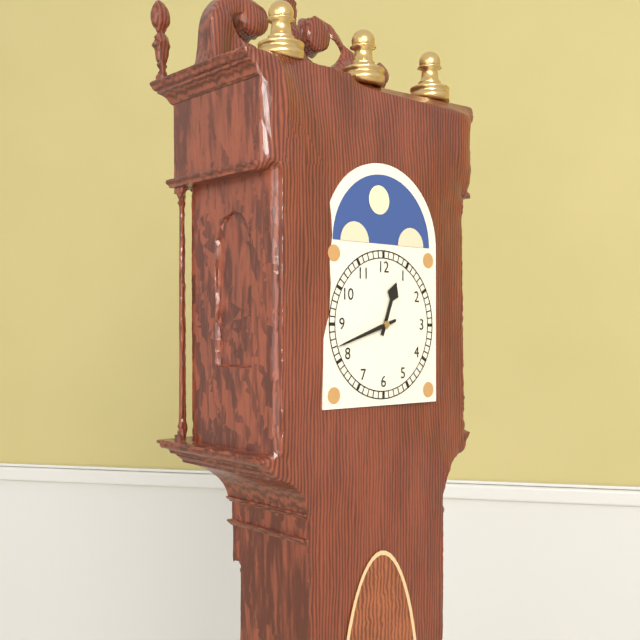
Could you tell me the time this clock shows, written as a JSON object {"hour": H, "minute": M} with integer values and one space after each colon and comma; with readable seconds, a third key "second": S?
{"hour": 12, "minute": 42}
